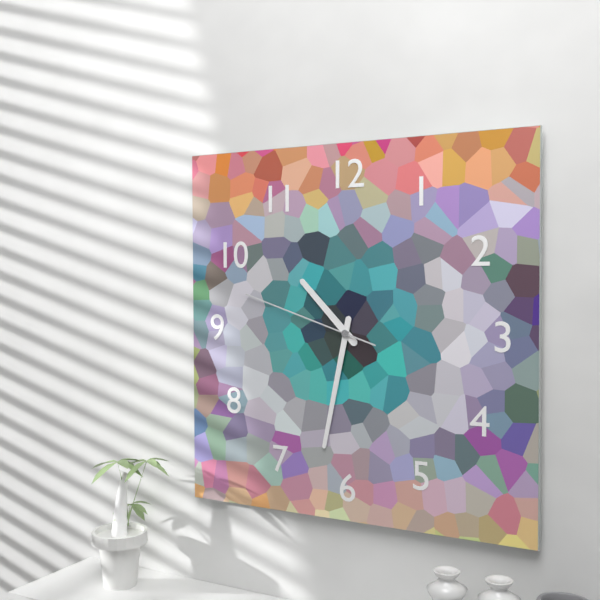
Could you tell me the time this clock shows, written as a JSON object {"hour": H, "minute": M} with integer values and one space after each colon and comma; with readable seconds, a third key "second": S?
{"hour": 10, "minute": 32, "second": 48}
